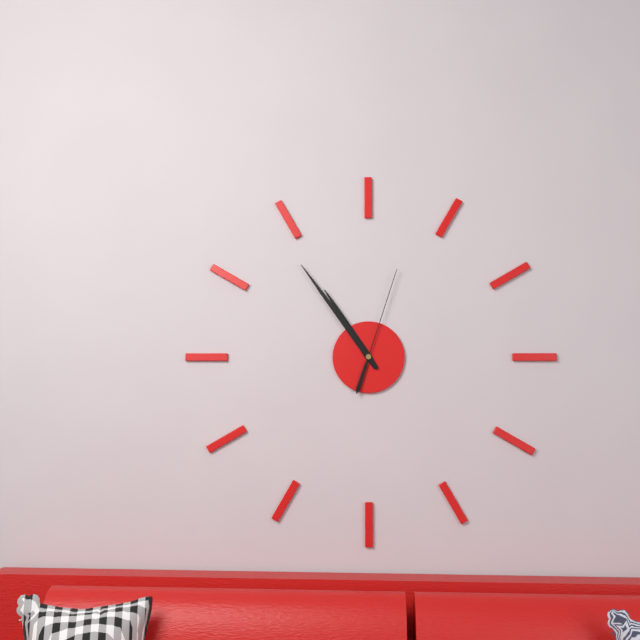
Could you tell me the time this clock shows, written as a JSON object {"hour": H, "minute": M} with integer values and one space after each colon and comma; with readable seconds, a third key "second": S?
{"hour": 10, "minute": 54, "second": 3}
